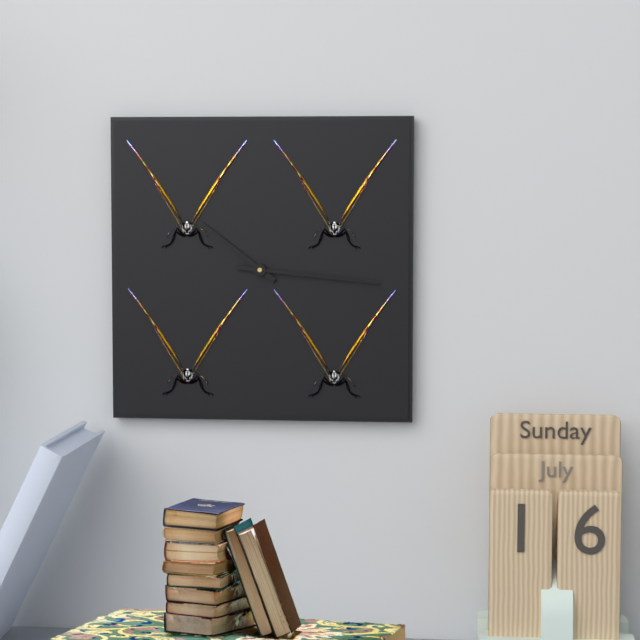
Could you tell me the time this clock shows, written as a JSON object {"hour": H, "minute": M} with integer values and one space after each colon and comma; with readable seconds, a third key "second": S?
{"hour": 10, "minute": 16}
